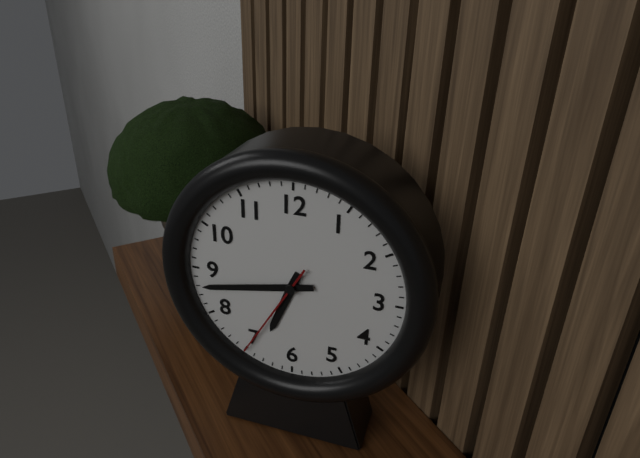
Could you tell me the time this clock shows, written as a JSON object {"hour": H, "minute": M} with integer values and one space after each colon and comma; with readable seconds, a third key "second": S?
{"hour": 6, "minute": 43, "second": 35}
